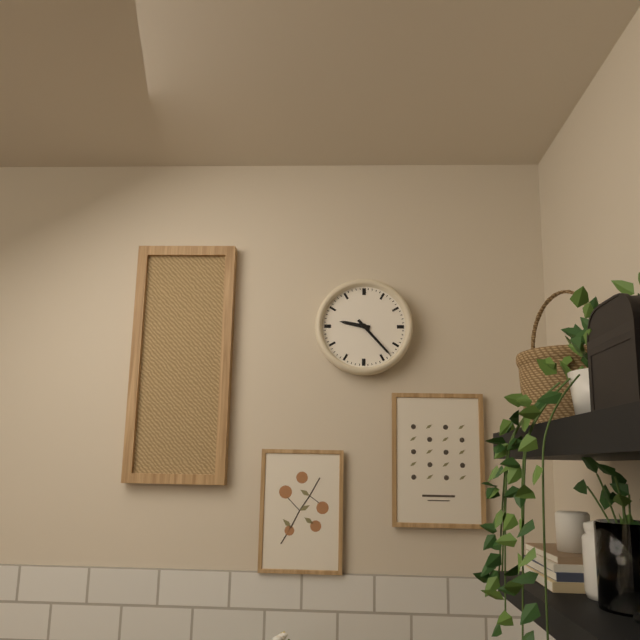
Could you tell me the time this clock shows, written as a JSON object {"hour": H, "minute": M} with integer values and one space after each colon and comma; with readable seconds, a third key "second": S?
{"hour": 9, "minute": 23}
